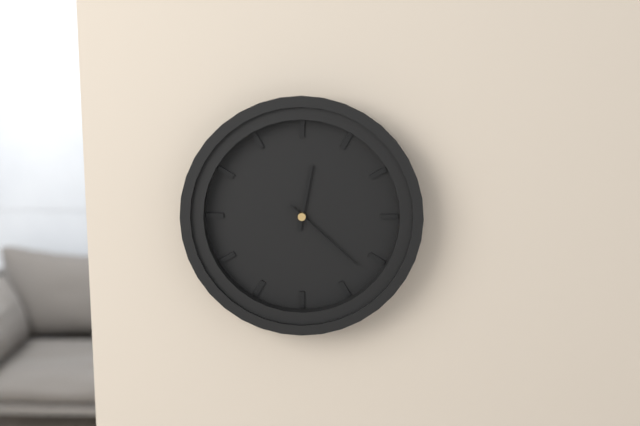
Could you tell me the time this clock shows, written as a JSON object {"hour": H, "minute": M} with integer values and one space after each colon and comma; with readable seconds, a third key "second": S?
{"hour": 12, "minute": 22}
